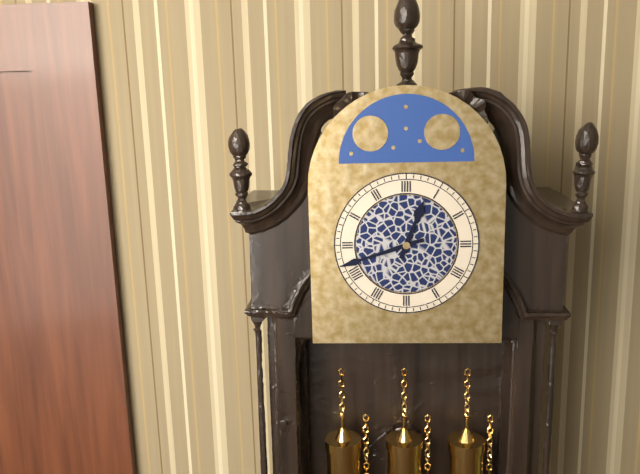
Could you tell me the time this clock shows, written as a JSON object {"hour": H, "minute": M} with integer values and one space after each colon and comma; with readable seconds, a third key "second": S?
{"hour": 12, "minute": 42}
